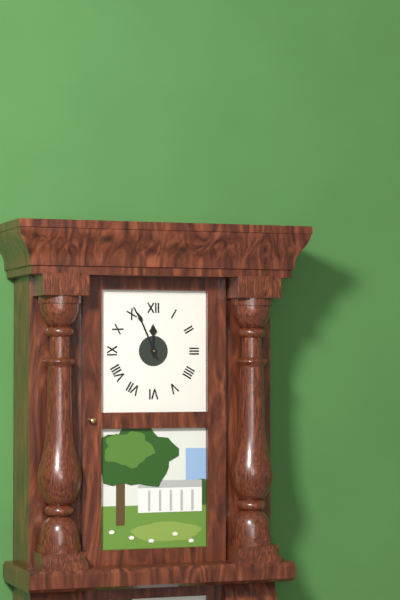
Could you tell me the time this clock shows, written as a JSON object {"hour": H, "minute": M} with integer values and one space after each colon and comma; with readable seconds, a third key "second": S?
{"hour": 11, "minute": 56}
